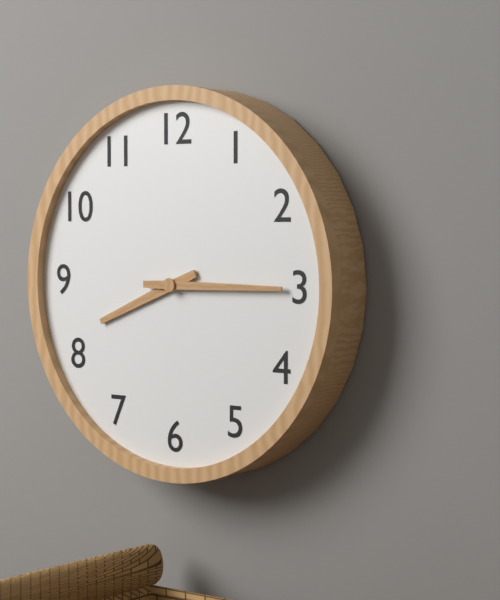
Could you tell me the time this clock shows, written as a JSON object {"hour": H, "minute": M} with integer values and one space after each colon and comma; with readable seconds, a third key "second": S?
{"hour": 8, "minute": 15}
